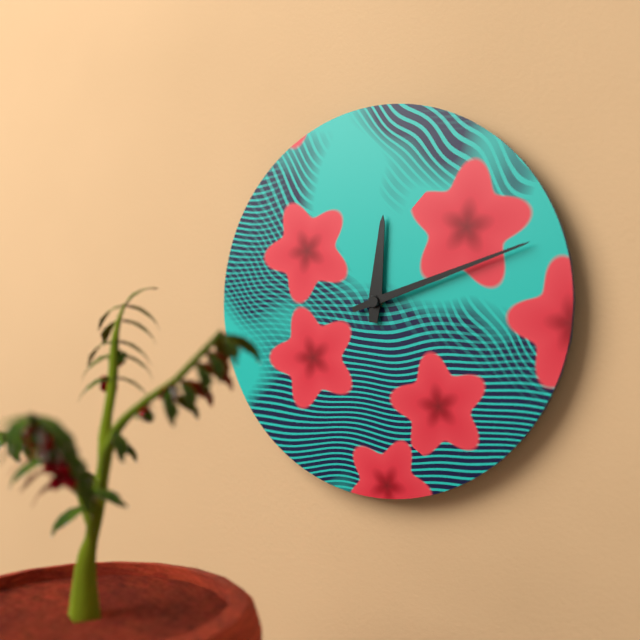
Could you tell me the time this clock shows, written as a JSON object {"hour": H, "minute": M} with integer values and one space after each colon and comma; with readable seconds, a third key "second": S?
{"hour": 12, "minute": 12}
